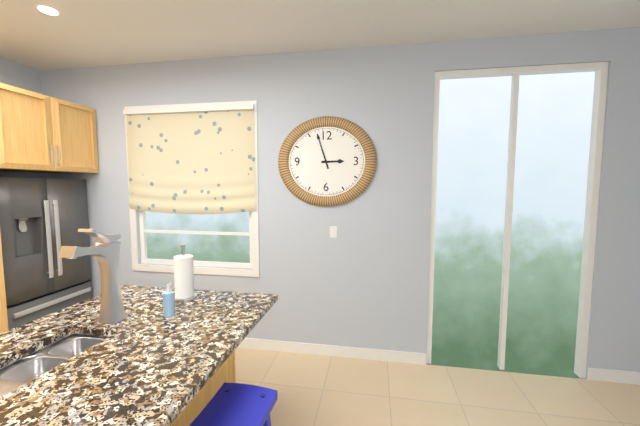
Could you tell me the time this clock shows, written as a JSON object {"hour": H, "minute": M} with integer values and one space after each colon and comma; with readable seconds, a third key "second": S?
{"hour": 2, "minute": 57}
